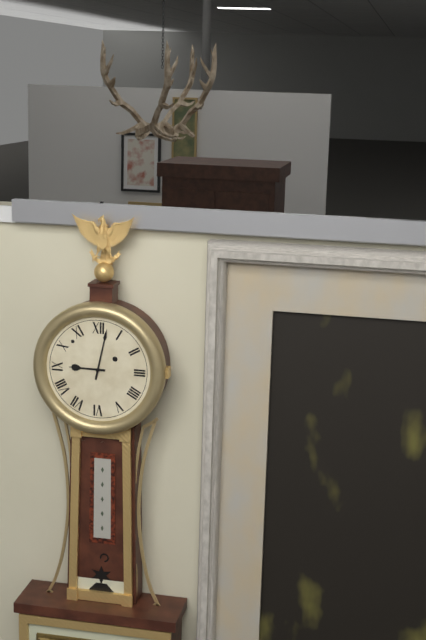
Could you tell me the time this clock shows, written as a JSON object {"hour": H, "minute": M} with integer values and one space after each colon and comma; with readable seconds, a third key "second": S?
{"hour": 9, "minute": 2}
